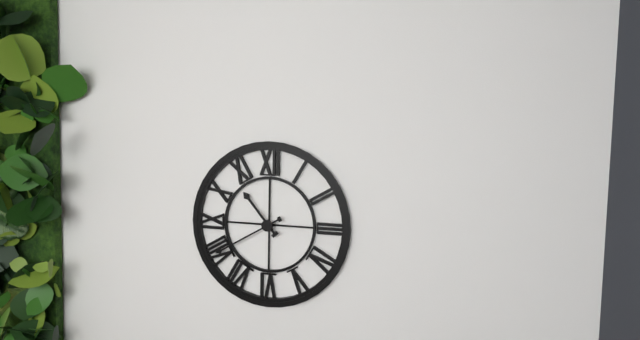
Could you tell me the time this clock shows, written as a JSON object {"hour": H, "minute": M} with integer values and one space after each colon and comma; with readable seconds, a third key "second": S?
{"hour": 10, "minute": 40}
